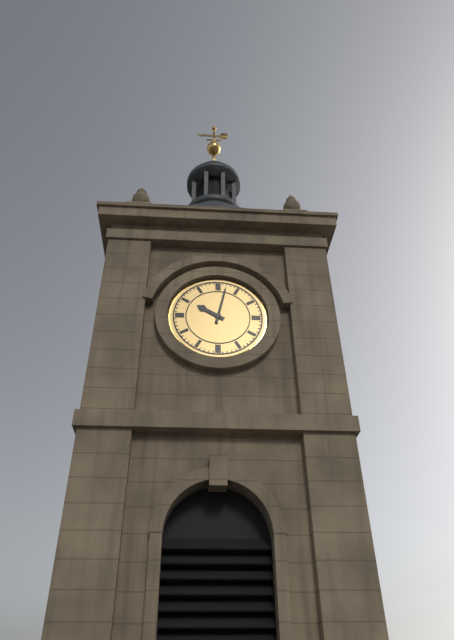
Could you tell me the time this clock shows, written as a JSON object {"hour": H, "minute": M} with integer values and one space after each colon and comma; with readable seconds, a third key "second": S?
{"hour": 10, "minute": 2}
